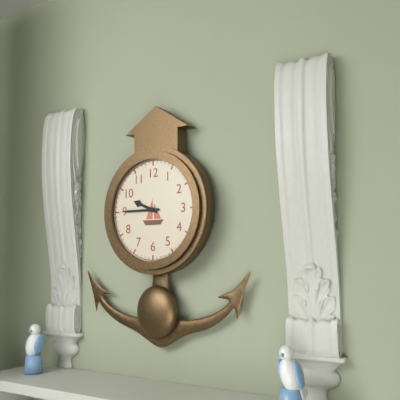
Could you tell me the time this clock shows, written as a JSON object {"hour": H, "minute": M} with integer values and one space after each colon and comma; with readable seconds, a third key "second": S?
{"hour": 9, "minute": 45}
